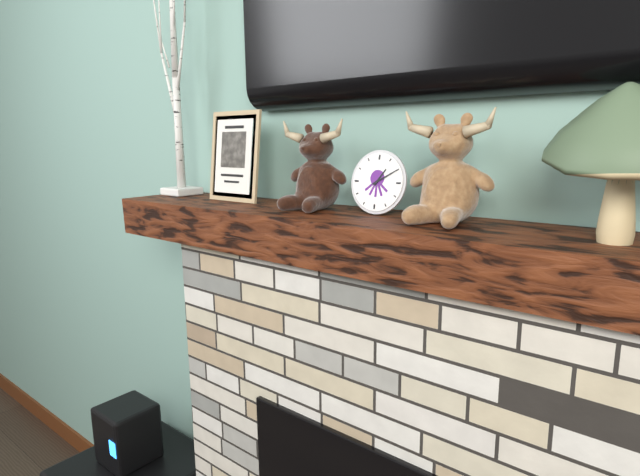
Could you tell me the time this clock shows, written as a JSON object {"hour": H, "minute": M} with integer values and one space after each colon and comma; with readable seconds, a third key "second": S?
{"hour": 1, "minute": 10}
